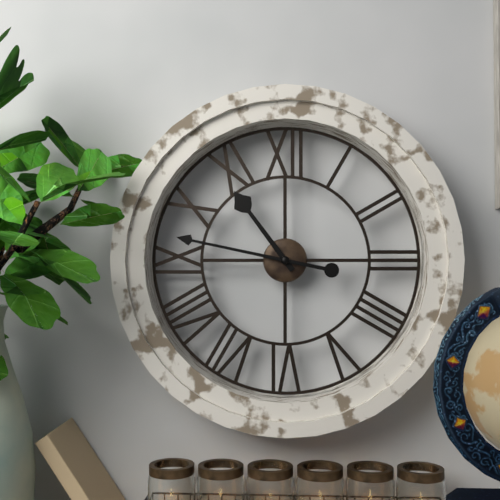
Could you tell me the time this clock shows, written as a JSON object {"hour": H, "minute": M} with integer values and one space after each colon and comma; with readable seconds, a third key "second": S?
{"hour": 10, "minute": 47}
